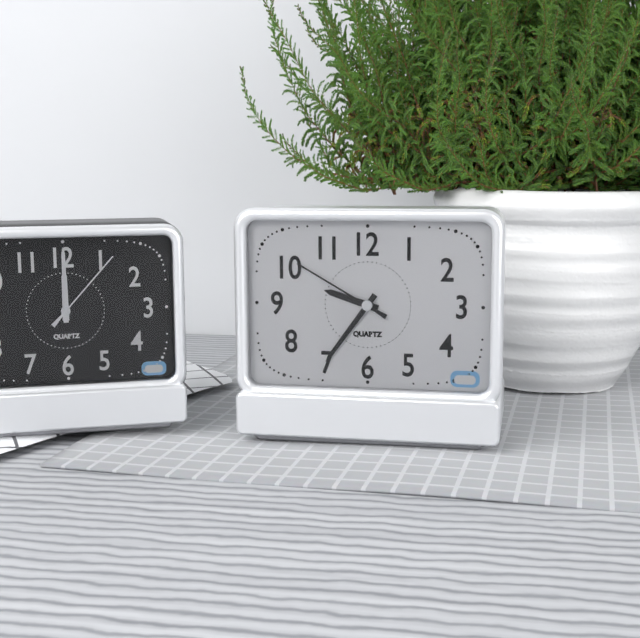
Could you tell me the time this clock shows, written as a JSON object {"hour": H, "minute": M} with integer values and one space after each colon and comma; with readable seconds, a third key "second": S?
{"hour": 9, "minute": 36, "second": 50}
